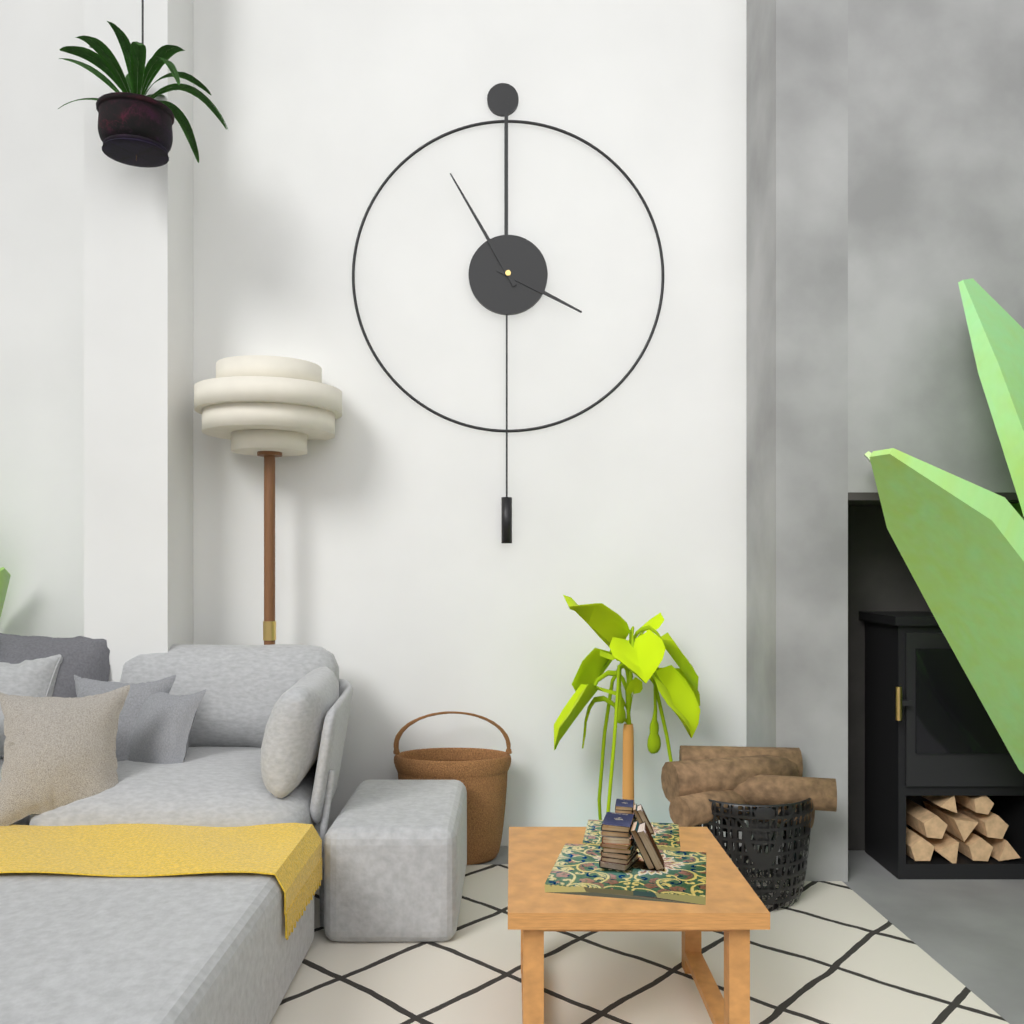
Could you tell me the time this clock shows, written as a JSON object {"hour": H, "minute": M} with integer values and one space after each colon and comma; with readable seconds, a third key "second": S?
{"hour": 3, "minute": 55}
